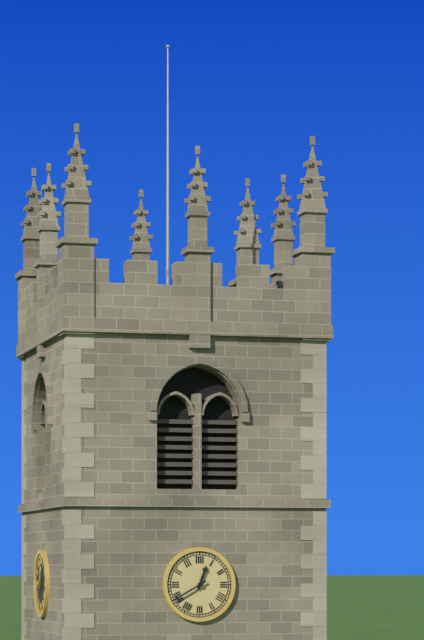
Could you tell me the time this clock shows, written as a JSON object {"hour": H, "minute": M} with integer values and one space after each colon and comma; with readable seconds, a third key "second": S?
{"hour": 12, "minute": 40}
